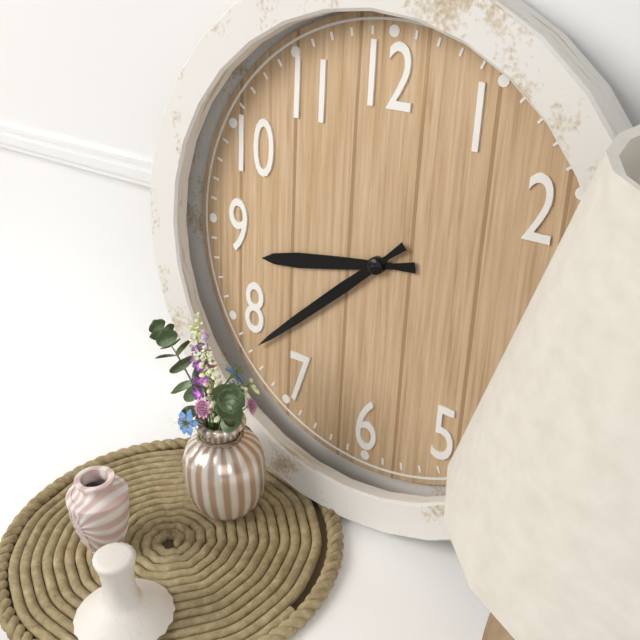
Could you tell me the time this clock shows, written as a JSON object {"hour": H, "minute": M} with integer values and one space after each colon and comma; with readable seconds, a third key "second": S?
{"hour": 8, "minute": 38}
